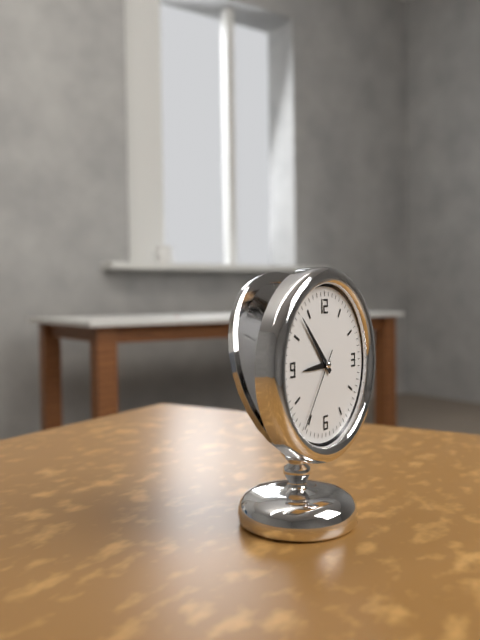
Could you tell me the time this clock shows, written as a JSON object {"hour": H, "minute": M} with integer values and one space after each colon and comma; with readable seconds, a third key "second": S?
{"hour": 8, "minute": 53, "second": 36}
